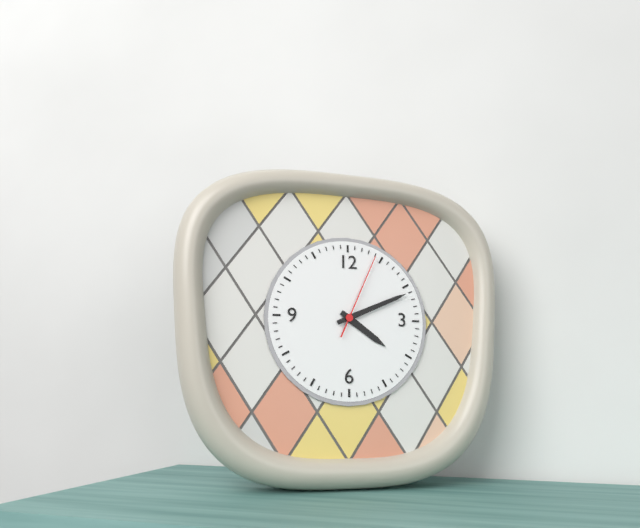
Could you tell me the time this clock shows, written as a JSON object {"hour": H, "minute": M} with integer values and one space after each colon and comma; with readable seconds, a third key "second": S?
{"hour": 4, "minute": 11, "second": 4}
